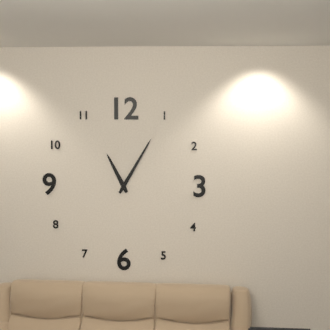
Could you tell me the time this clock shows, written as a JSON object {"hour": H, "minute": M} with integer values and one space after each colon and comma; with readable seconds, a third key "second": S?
{"hour": 11, "minute": 5}
